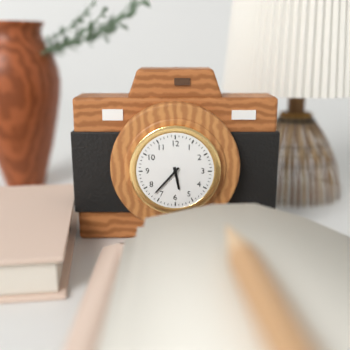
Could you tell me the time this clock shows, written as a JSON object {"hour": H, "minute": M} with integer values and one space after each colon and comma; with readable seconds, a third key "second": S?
{"hour": 5, "minute": 37}
